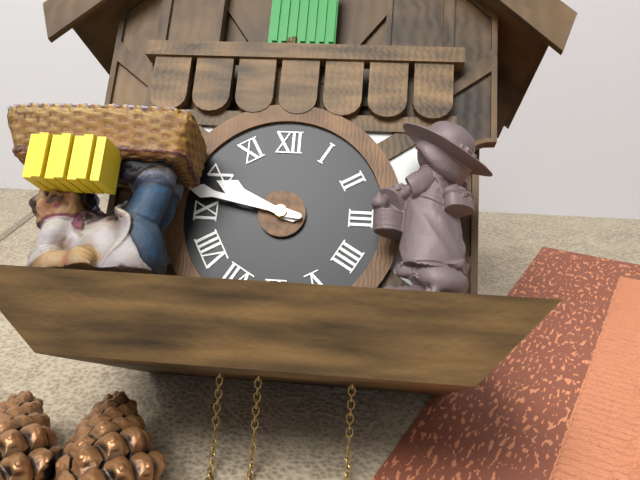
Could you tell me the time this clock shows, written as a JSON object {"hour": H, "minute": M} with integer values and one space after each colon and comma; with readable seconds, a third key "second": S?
{"hour": 9, "minute": 47}
